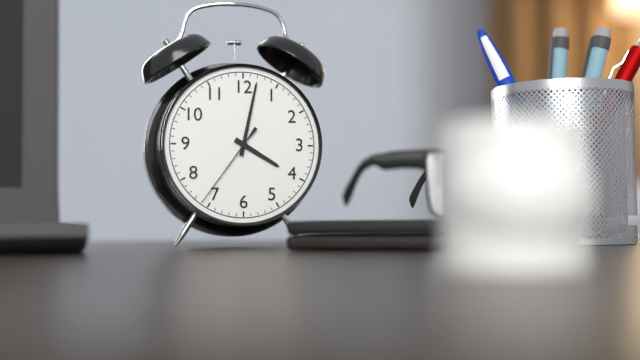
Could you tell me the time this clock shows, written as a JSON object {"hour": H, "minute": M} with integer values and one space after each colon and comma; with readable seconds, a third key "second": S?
{"hour": 4, "minute": 2, "second": 36}
